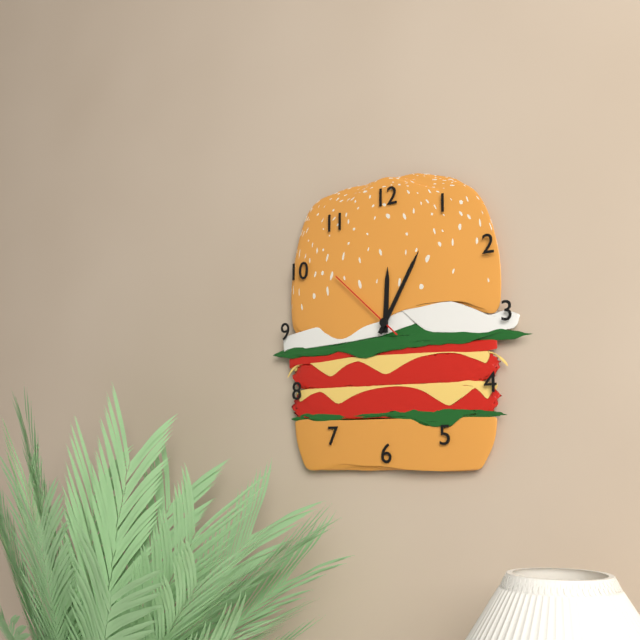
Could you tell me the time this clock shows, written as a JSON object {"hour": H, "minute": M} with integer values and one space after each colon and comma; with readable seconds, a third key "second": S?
{"hour": 12, "minute": 5, "second": 52}
